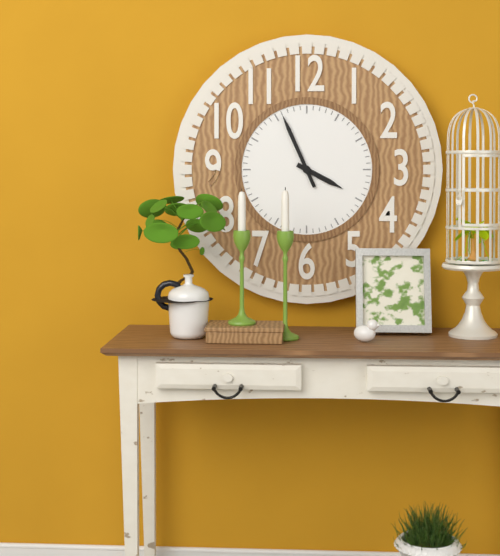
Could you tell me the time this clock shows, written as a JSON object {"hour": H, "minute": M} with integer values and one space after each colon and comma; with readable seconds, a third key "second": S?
{"hour": 3, "minute": 56}
